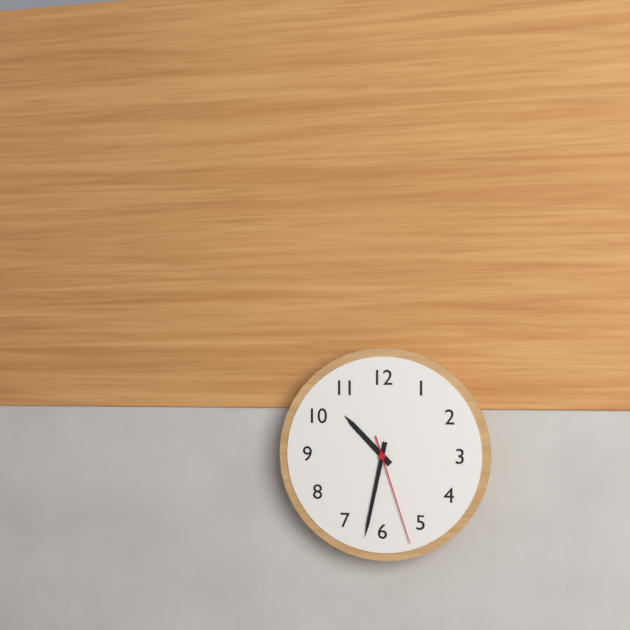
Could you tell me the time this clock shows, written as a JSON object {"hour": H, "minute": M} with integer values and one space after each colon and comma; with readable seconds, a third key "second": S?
{"hour": 10, "minute": 32, "second": 27}
